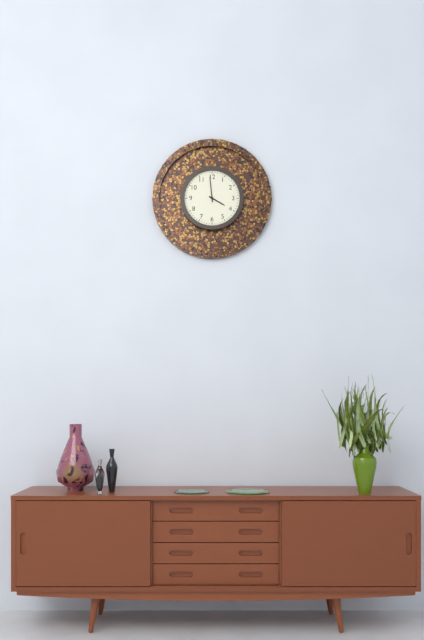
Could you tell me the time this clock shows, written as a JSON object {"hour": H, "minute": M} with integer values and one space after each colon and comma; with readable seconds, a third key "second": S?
{"hour": 3, "minute": 59}
